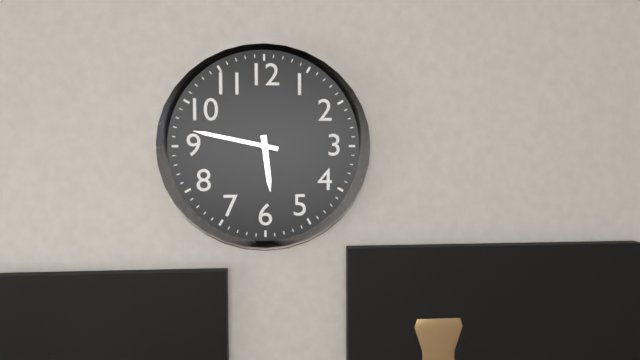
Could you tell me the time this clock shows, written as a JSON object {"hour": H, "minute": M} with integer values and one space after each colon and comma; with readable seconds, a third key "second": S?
{"hour": 5, "minute": 47}
